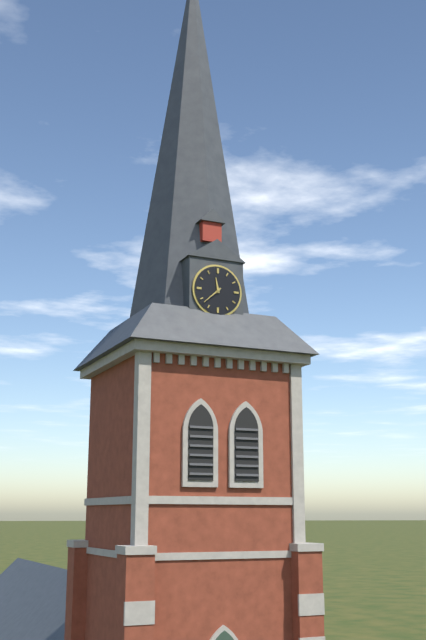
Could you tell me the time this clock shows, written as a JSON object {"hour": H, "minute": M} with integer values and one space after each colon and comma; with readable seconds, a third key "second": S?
{"hour": 11, "minute": 38}
